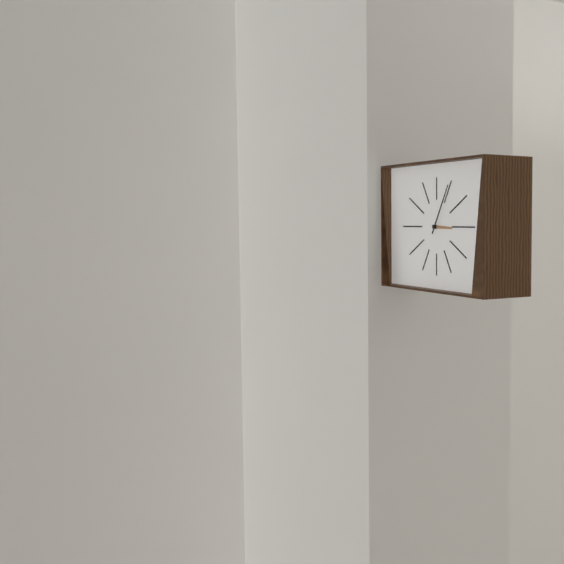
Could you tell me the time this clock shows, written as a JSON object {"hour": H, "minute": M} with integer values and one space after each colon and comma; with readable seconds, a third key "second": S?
{"hour": 3, "minute": 5}
